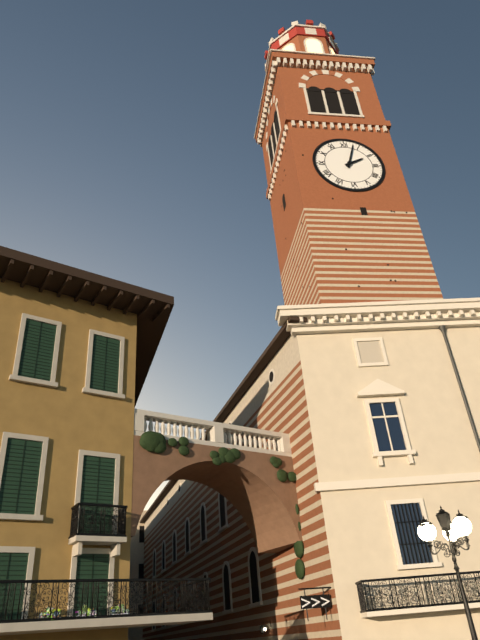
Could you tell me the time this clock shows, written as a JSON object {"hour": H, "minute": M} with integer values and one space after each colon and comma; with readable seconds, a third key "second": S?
{"hour": 2, "minute": 3}
